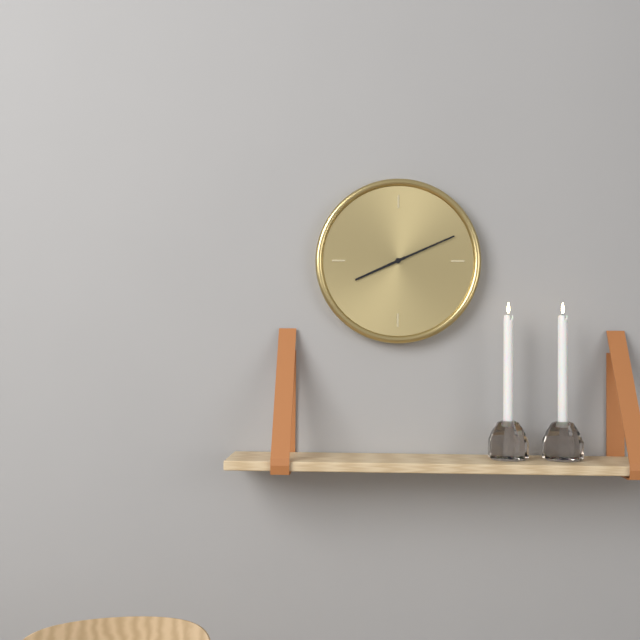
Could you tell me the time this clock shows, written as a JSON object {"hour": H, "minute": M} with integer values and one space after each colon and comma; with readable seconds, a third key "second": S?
{"hour": 8, "minute": 11}
